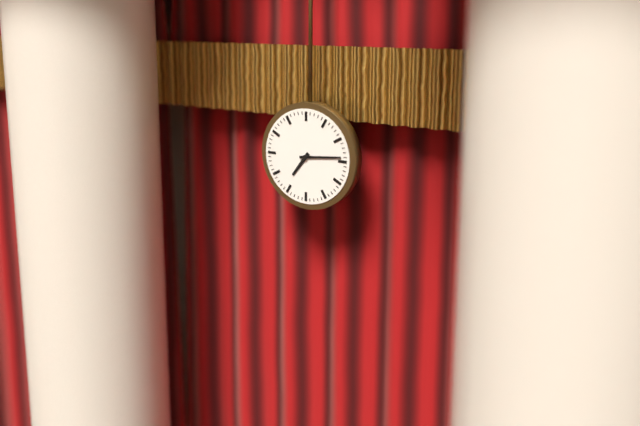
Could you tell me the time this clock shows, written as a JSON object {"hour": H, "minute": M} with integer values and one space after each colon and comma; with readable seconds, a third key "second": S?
{"hour": 7, "minute": 14}
